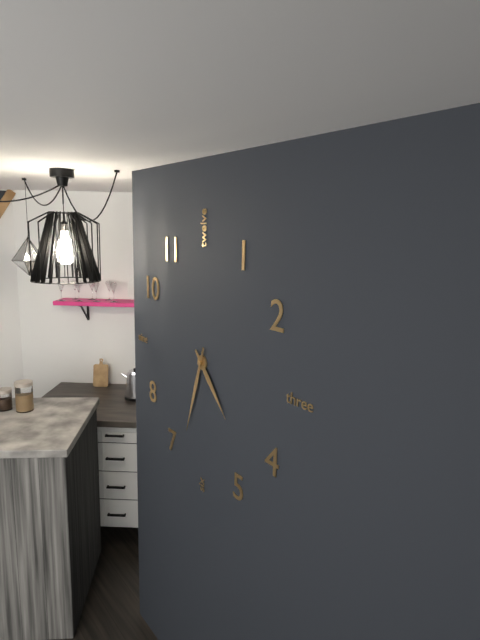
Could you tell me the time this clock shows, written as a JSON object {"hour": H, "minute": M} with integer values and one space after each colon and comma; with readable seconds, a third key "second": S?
{"hour": 4, "minute": 33}
